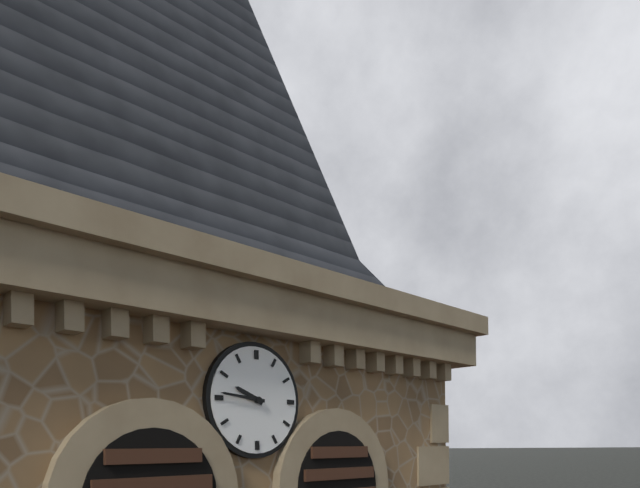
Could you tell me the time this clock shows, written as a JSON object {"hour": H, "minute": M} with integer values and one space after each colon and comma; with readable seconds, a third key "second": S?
{"hour": 9, "minute": 46}
